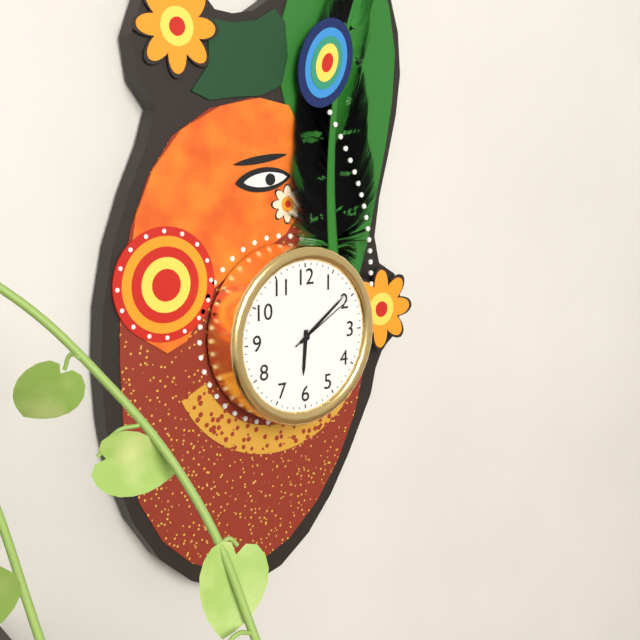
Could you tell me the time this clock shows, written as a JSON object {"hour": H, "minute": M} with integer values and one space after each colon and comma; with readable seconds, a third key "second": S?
{"hour": 6, "minute": 9, "second": 10}
